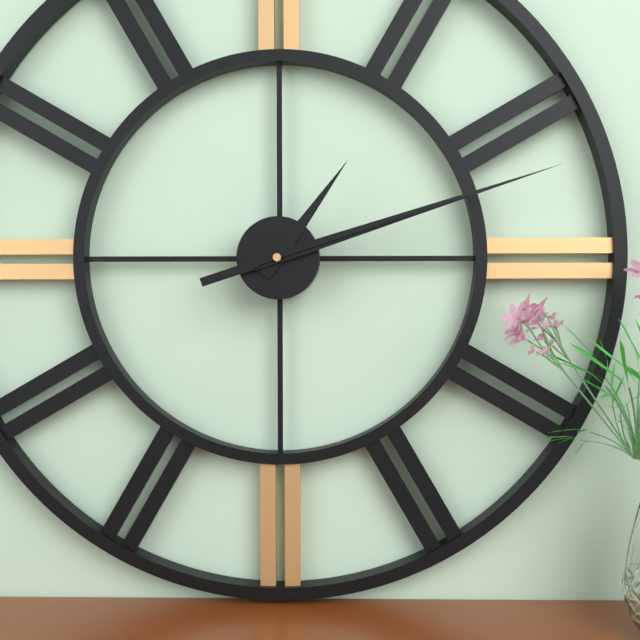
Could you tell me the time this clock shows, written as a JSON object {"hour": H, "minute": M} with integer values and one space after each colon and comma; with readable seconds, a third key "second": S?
{"hour": 1, "minute": 12, "second": 12}
